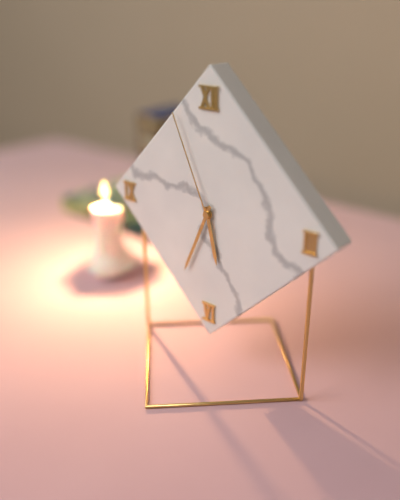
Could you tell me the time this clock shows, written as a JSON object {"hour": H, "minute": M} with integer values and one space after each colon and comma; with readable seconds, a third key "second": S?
{"hour": 5, "minute": 34, "second": 56}
